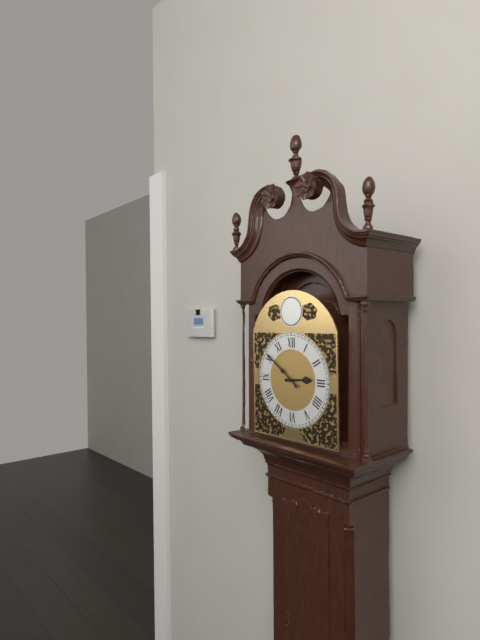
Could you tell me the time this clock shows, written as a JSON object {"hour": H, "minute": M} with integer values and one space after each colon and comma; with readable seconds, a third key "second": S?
{"hour": 2, "minute": 51}
